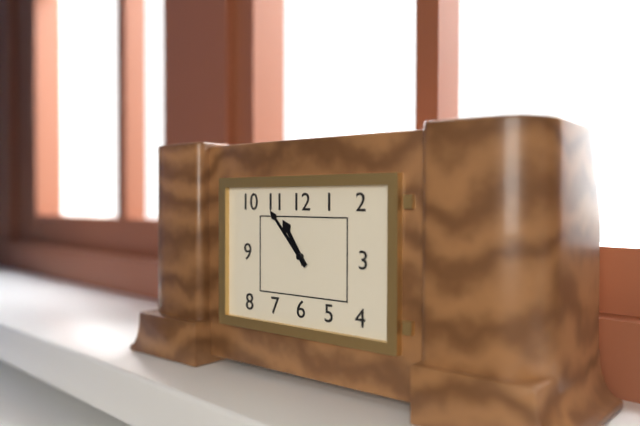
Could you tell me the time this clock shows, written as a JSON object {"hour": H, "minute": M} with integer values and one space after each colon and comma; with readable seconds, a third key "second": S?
{"hour": 10, "minute": 53}
